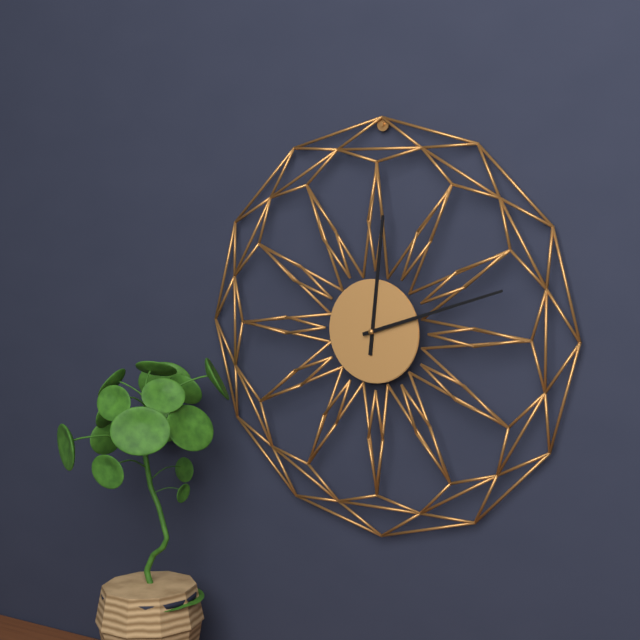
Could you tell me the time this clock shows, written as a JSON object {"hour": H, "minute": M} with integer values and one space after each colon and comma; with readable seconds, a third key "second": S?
{"hour": 12, "minute": 12}
